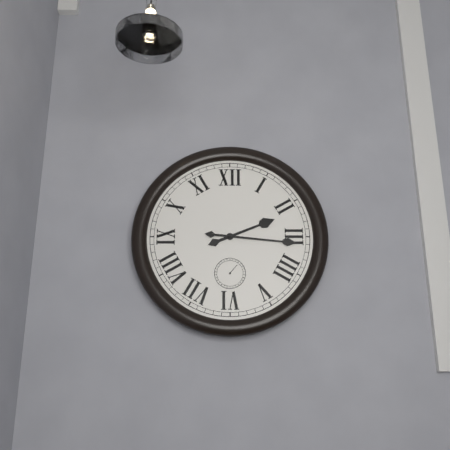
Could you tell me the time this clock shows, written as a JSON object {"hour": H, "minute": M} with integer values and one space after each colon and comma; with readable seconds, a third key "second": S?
{"hour": 2, "minute": 16}
